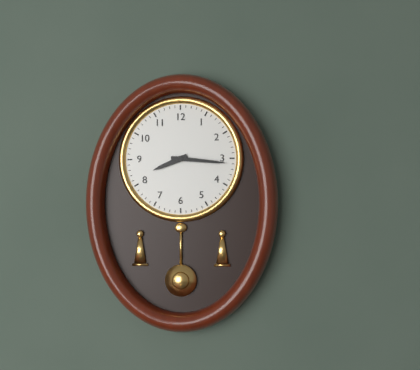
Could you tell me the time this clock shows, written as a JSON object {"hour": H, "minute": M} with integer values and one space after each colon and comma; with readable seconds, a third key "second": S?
{"hour": 8, "minute": 16}
